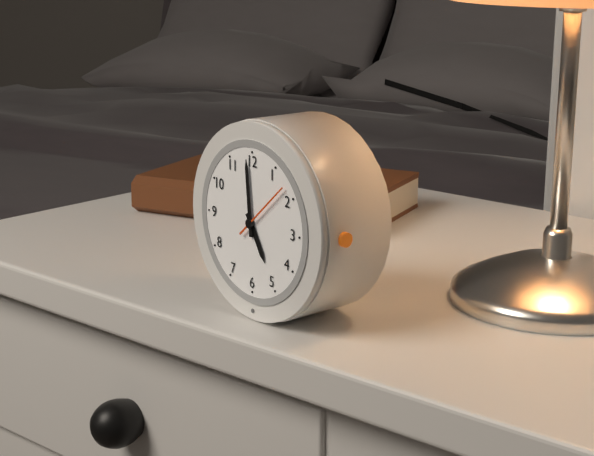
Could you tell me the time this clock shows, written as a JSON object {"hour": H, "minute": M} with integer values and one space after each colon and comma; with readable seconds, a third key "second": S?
{"hour": 4, "minute": 59, "second": 8}
